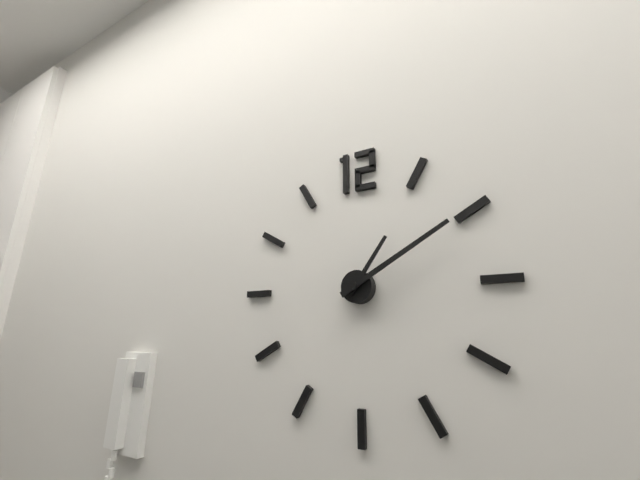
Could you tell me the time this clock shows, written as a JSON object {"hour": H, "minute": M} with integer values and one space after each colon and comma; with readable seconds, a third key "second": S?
{"hour": 1, "minute": 10}
